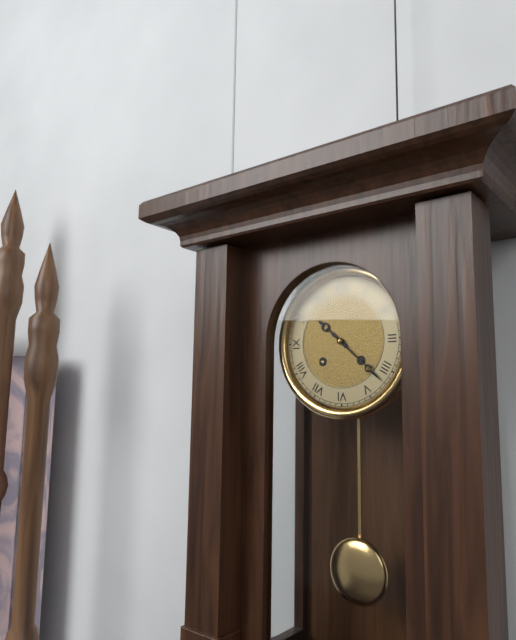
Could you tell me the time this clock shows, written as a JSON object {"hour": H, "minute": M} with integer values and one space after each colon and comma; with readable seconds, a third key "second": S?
{"hour": 10, "minute": 22}
